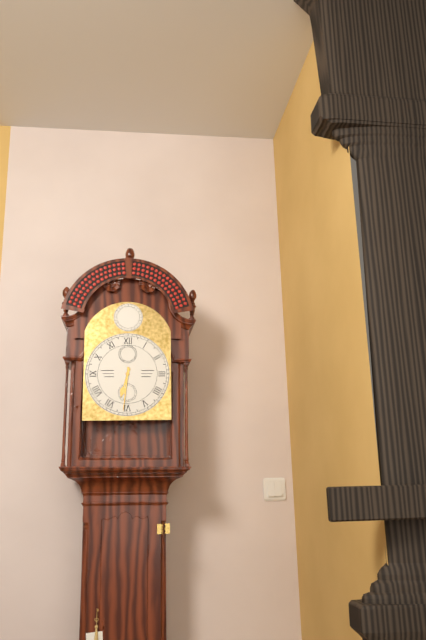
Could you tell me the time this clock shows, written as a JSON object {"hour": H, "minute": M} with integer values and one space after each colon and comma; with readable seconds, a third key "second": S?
{"hour": 6, "minute": 31}
